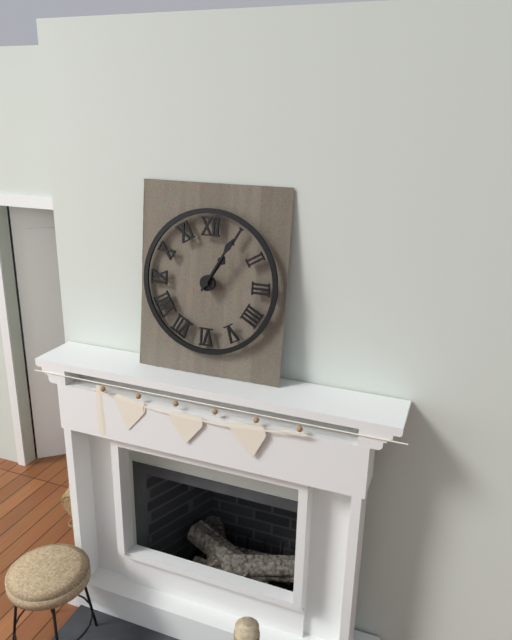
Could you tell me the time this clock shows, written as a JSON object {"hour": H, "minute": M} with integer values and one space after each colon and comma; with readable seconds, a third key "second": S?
{"hour": 1, "minute": 5}
